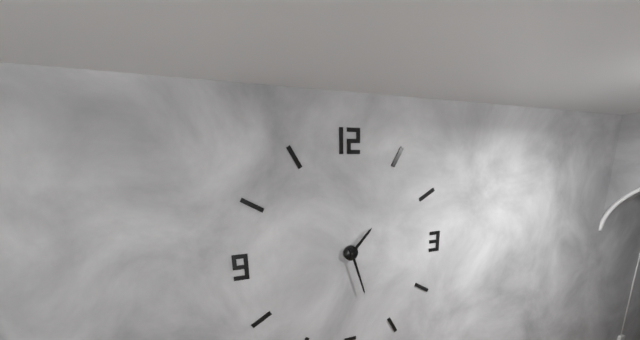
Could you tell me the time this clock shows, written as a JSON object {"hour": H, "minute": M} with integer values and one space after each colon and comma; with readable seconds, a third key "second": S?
{"hour": 1, "minute": 27}
